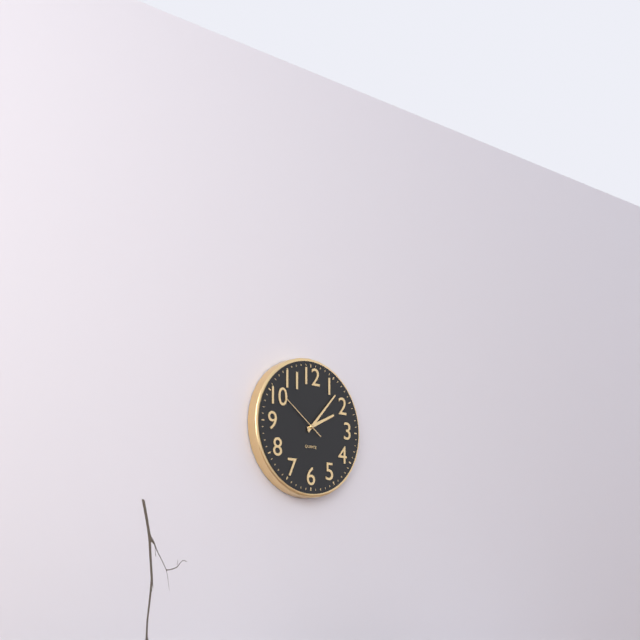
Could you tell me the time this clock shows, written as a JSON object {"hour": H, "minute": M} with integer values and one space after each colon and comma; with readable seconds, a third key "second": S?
{"hour": 2, "minute": 7}
